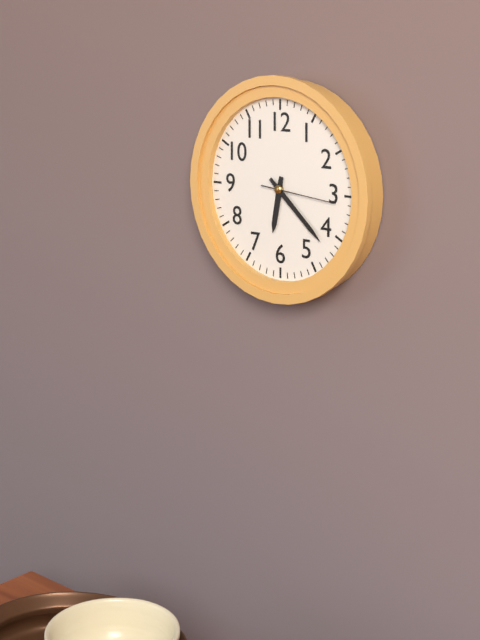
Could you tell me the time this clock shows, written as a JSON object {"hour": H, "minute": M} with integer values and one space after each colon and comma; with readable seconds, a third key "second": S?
{"hour": 6, "minute": 22, "second": 16}
